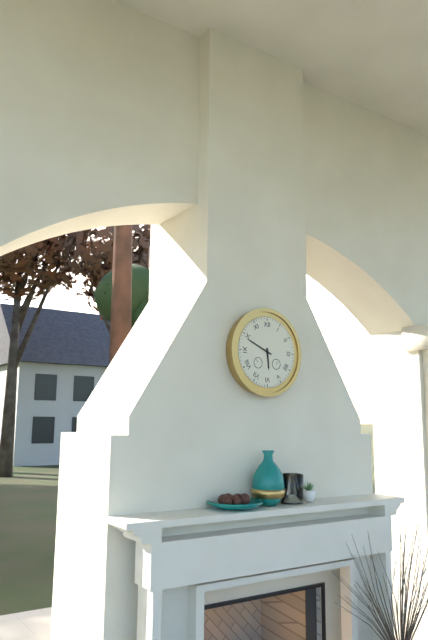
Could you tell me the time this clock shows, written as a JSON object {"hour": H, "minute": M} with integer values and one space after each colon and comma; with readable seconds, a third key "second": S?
{"hour": 5, "minute": 49}
